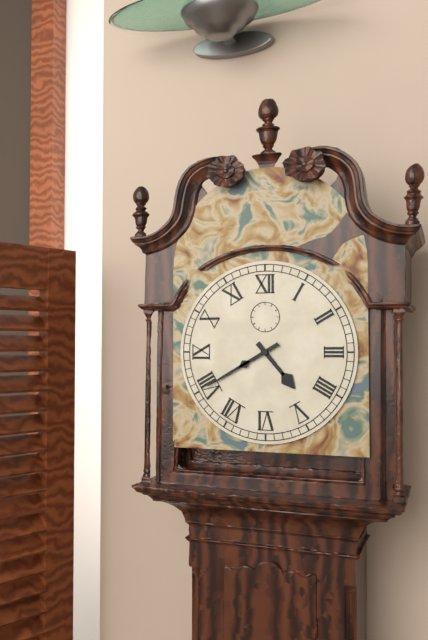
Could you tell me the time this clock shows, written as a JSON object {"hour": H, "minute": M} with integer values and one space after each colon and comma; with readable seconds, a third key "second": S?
{"hour": 4, "minute": 40}
